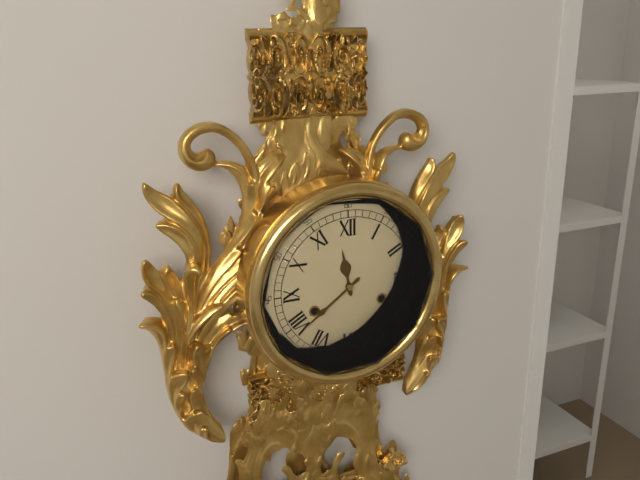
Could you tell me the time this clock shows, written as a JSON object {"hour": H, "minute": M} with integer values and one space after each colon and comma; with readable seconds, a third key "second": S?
{"hour": 11, "minute": 39}
